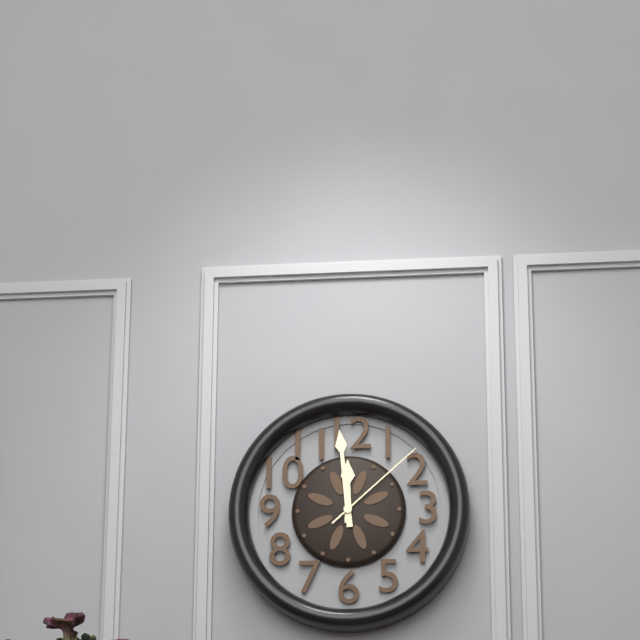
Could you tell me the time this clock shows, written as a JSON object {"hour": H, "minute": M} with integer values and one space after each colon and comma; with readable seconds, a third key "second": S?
{"hour": 11, "minute": 59, "second": 8}
